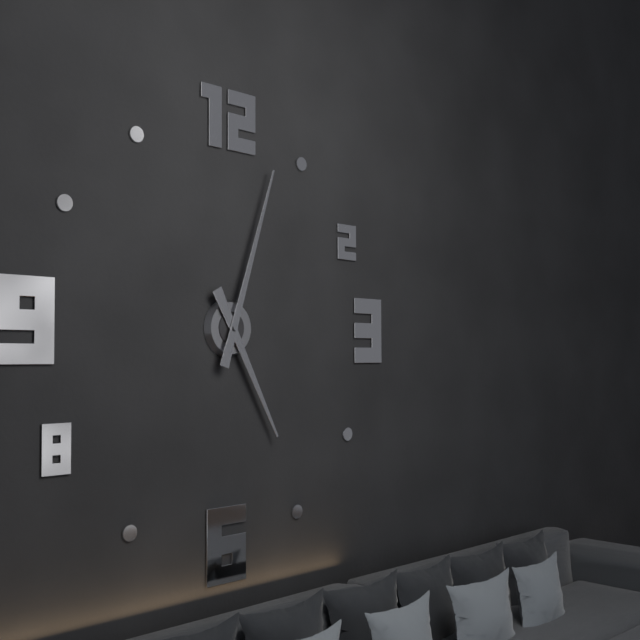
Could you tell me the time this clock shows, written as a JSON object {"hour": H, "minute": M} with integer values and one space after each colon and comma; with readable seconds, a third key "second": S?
{"hour": 5, "minute": 3}
